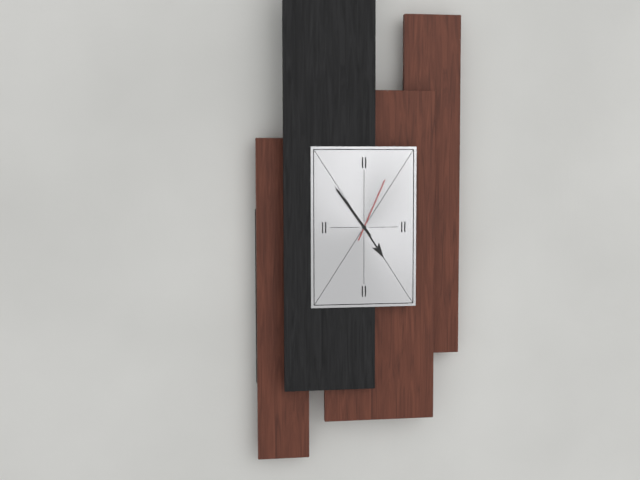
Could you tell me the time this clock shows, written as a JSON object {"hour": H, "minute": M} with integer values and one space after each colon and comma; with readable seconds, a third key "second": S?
{"hour": 4, "minute": 54, "second": 4}
